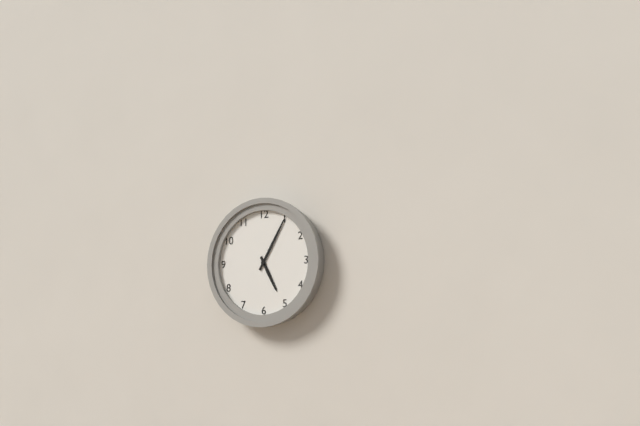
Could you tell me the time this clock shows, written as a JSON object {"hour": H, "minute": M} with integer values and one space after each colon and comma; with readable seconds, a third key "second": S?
{"hour": 5, "minute": 5}
